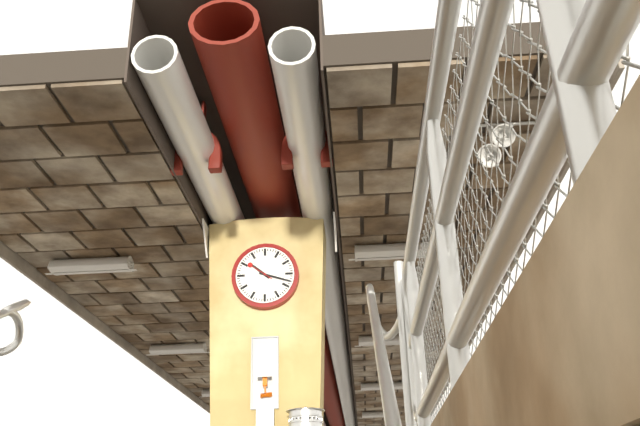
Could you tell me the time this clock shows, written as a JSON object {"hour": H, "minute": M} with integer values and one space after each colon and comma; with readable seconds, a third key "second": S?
{"hour": 10, "minute": 18}
